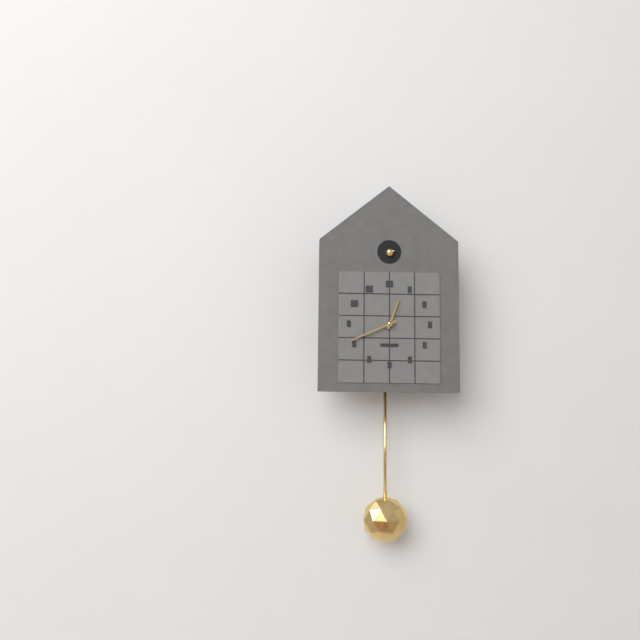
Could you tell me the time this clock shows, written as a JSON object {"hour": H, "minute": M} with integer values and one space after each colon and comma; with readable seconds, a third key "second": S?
{"hour": 12, "minute": 41}
